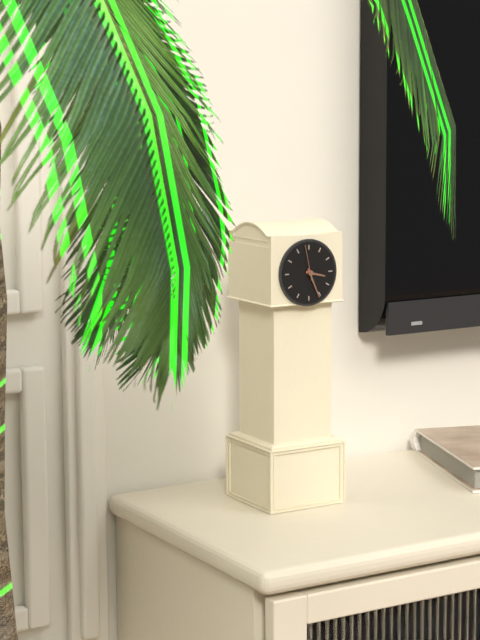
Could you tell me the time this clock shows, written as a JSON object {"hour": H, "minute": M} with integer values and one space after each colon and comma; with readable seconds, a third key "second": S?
{"hour": 3, "minute": 26}
